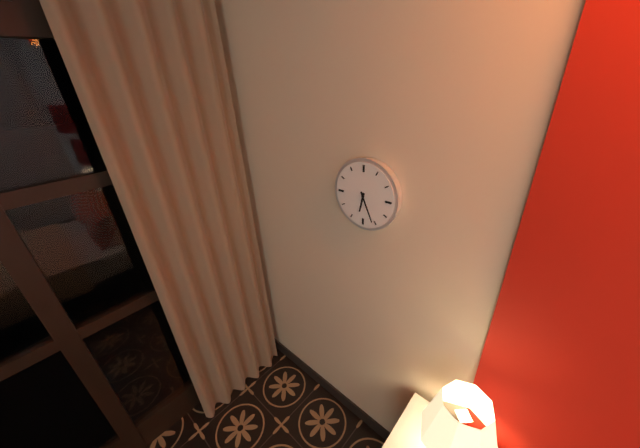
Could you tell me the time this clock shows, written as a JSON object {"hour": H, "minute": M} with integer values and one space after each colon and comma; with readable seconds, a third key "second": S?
{"hour": 6, "minute": 26}
